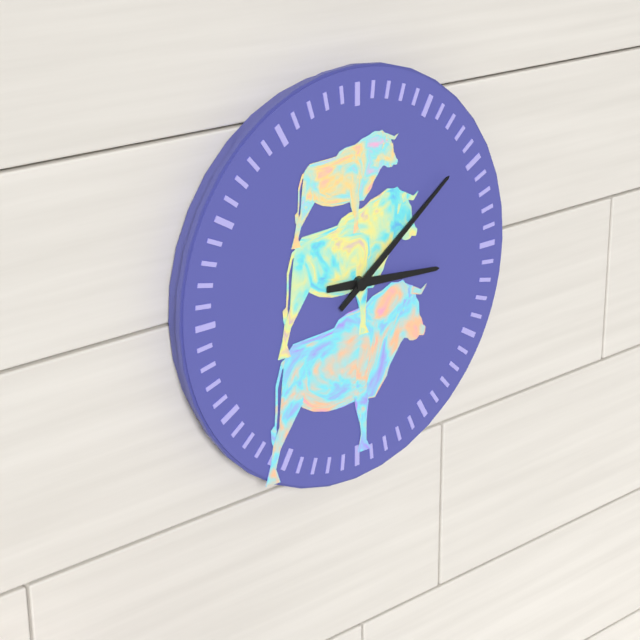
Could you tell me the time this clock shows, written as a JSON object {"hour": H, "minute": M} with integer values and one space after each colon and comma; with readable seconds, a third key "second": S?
{"hour": 3, "minute": 9}
